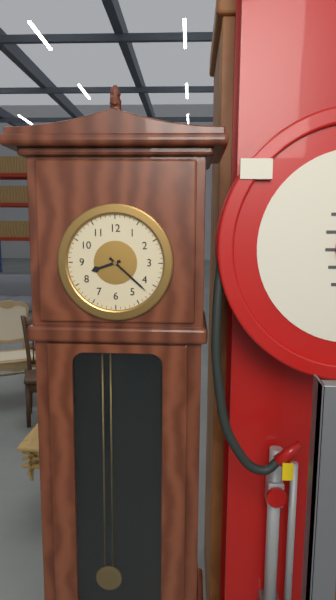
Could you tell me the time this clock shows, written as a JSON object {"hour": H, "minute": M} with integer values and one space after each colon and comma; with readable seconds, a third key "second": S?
{"hour": 8, "minute": 22}
